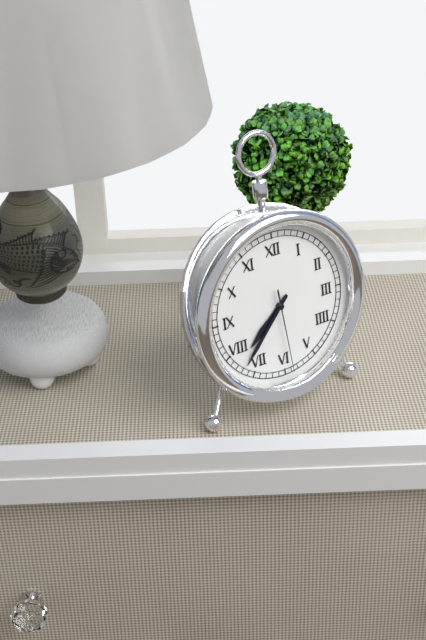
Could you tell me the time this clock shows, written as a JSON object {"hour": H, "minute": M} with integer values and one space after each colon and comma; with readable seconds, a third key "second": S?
{"hour": 7, "minute": 37, "second": 29}
